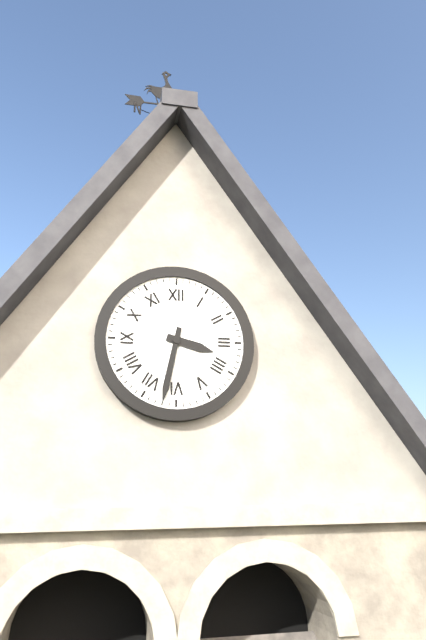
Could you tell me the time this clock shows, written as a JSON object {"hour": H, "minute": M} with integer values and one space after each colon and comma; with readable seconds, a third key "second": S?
{"hour": 3, "minute": 32}
